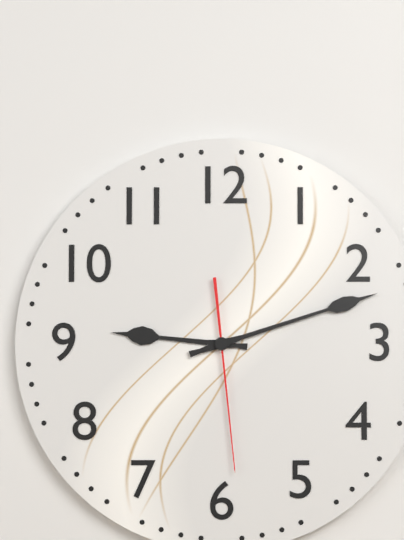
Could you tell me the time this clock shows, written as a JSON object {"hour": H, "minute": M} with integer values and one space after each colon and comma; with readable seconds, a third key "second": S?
{"hour": 9, "minute": 12, "second": 29}
